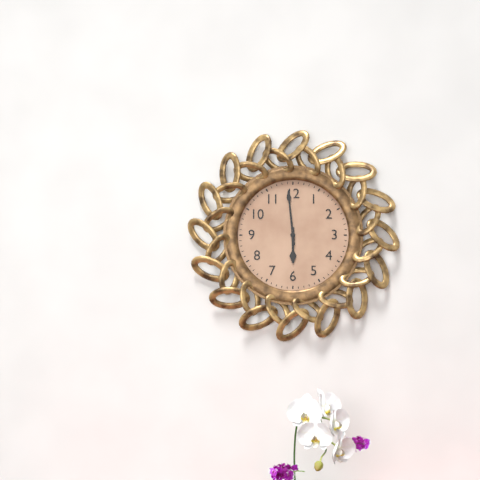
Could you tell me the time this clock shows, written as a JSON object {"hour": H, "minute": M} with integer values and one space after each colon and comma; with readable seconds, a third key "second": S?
{"hour": 5, "minute": 59}
